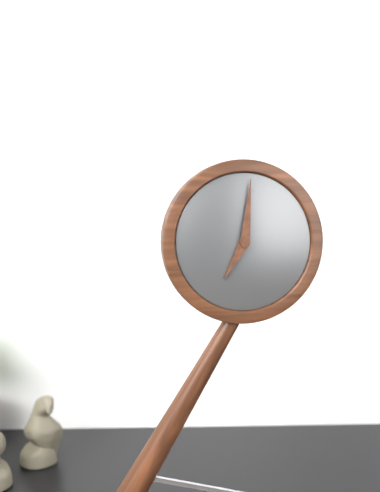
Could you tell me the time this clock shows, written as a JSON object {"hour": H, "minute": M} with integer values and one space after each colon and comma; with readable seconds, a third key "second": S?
{"hour": 7, "minute": 1}
